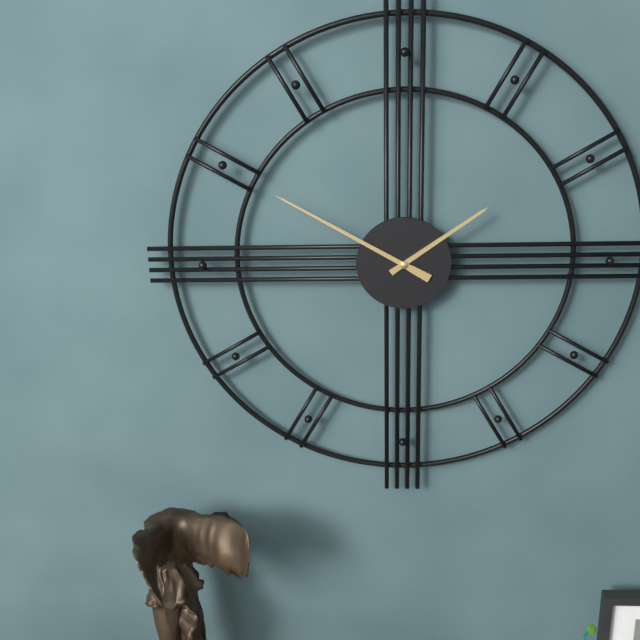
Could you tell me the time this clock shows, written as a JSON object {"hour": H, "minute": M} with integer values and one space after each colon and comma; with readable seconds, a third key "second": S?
{"hour": 1, "minute": 50}
